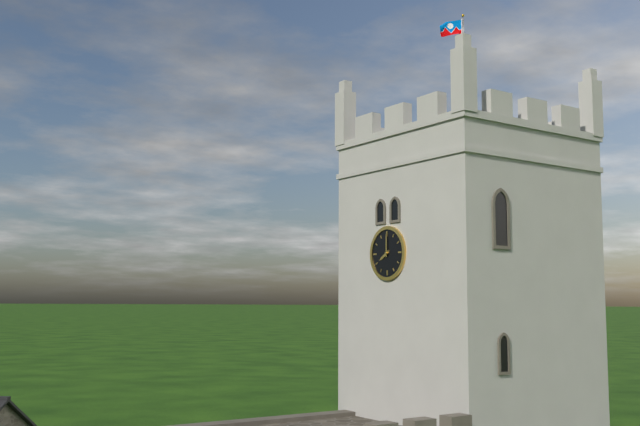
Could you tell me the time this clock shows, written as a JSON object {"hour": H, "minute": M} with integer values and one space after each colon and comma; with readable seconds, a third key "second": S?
{"hour": 8, "minute": 0}
